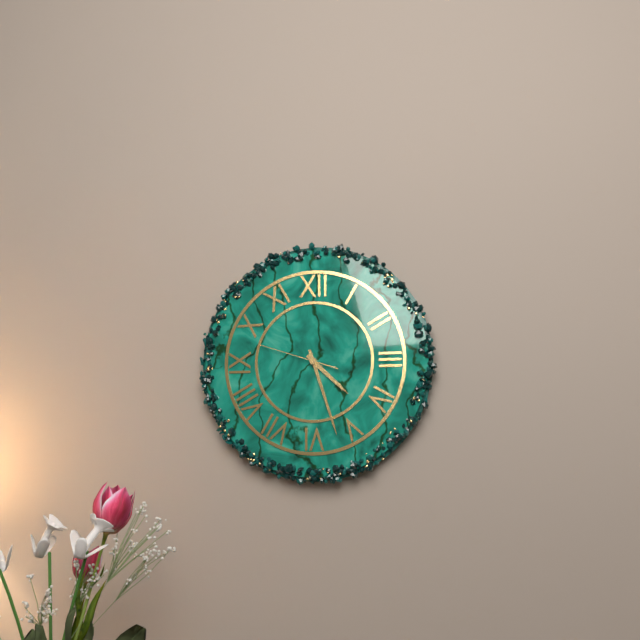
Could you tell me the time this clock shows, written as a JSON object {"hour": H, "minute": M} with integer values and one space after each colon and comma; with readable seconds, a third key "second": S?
{"hour": 4, "minute": 27, "second": 48}
